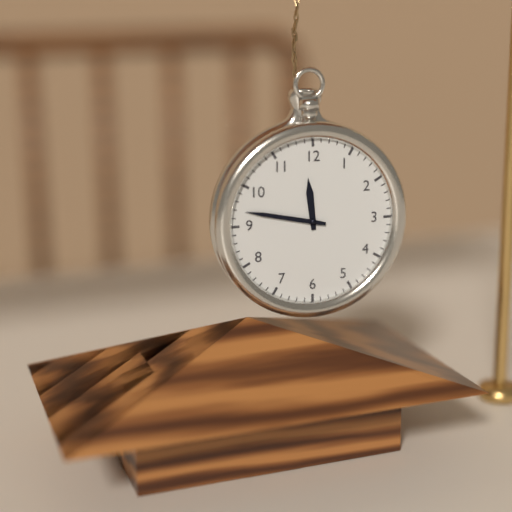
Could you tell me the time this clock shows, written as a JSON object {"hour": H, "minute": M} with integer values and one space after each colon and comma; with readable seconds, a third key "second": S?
{"hour": 11, "minute": 47}
